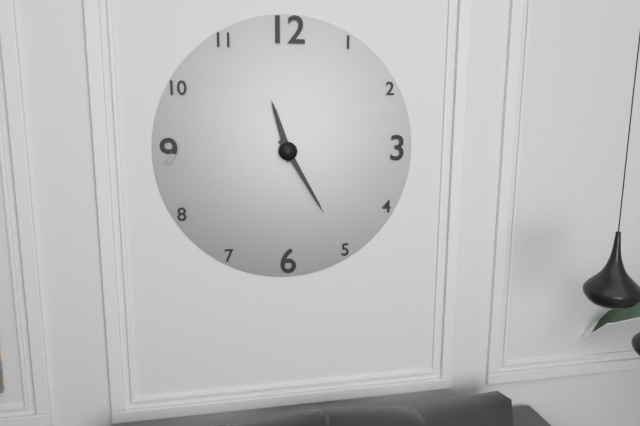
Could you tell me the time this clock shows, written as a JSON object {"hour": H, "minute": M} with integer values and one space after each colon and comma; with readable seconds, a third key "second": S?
{"hour": 11, "minute": 25}
